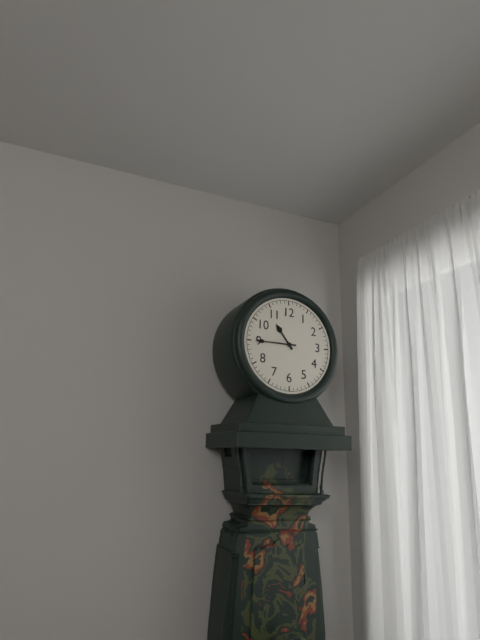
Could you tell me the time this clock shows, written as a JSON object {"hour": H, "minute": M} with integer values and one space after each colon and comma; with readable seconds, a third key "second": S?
{"hour": 10, "minute": 45}
